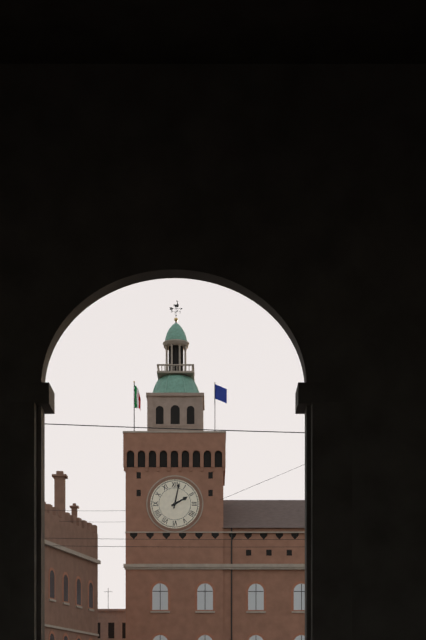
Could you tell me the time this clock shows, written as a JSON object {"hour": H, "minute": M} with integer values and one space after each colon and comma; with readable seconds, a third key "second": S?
{"hour": 2, "minute": 2}
